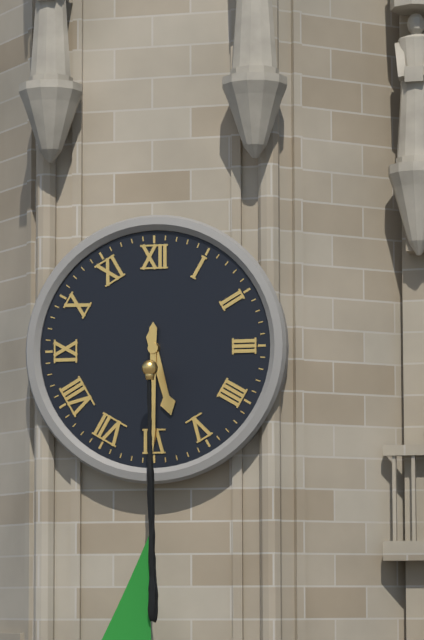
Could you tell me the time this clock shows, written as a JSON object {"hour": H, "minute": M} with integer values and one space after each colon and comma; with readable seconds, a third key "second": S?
{"hour": 5, "minute": 30}
